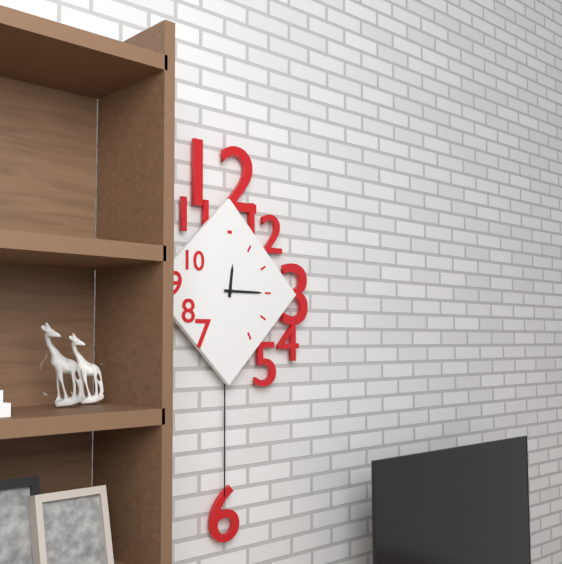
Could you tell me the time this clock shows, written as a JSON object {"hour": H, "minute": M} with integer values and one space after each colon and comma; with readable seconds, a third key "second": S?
{"hour": 12, "minute": 15}
